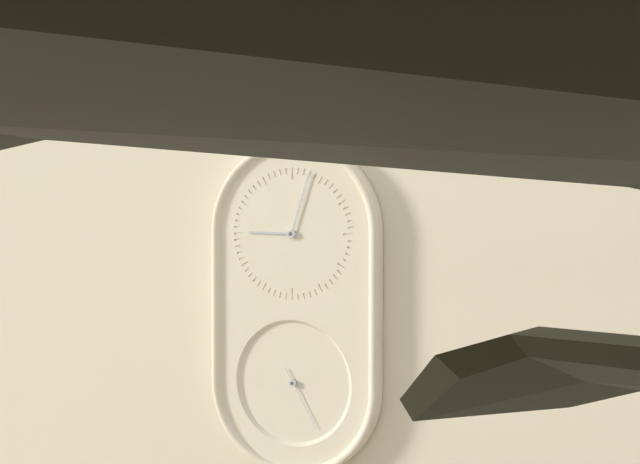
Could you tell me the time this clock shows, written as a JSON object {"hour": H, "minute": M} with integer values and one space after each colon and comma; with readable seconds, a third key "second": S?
{"hour": 9, "minute": 3, "second": 25}
